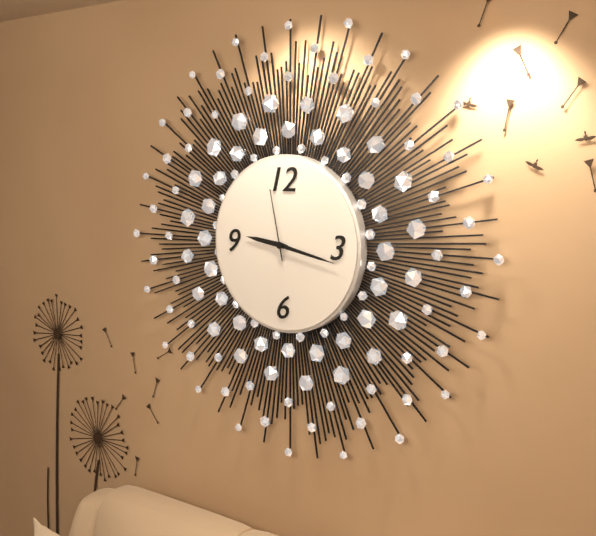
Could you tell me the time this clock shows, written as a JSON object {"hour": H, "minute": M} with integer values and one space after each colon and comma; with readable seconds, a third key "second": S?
{"hour": 9, "minute": 17, "second": 58}
